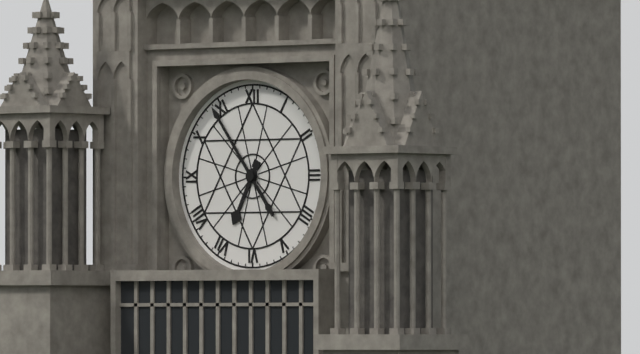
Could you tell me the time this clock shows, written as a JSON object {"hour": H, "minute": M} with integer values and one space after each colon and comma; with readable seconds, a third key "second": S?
{"hour": 6, "minute": 54}
